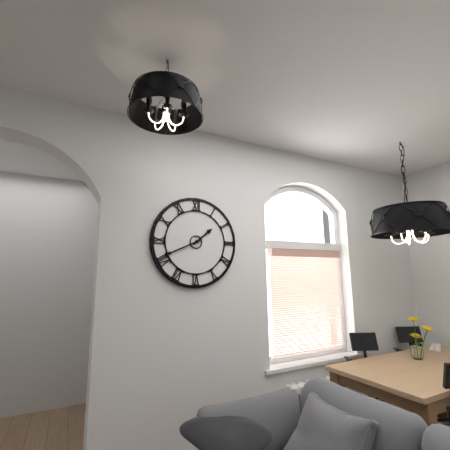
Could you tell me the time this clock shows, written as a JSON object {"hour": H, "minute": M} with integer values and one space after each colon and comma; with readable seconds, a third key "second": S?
{"hour": 1, "minute": 41}
